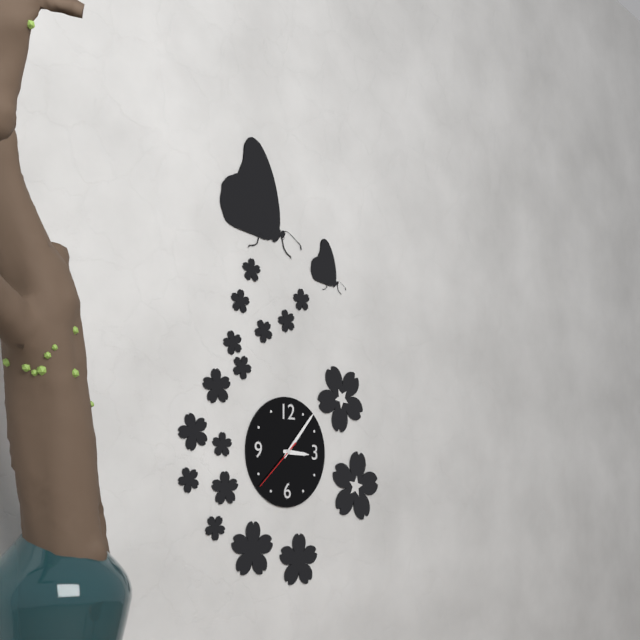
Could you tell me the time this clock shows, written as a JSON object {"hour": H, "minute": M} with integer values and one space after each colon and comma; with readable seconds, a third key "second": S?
{"hour": 3, "minute": 7, "second": 38}
